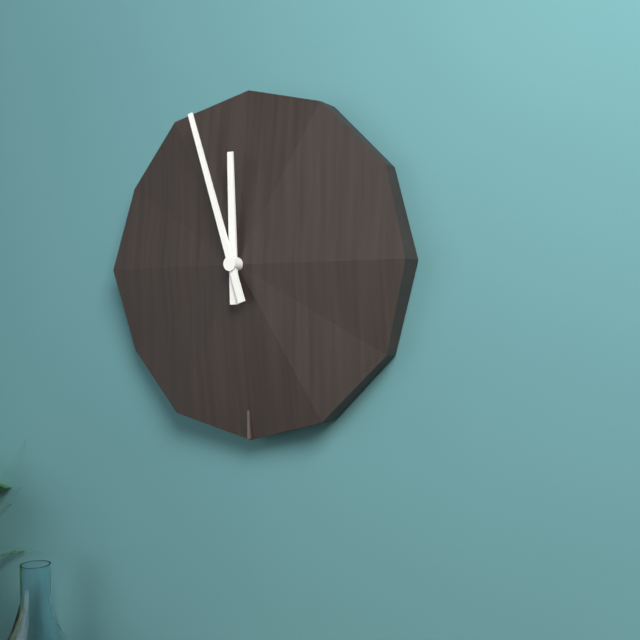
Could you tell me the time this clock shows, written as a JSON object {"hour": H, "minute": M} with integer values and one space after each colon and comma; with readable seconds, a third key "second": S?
{"hour": 11, "minute": 57}
